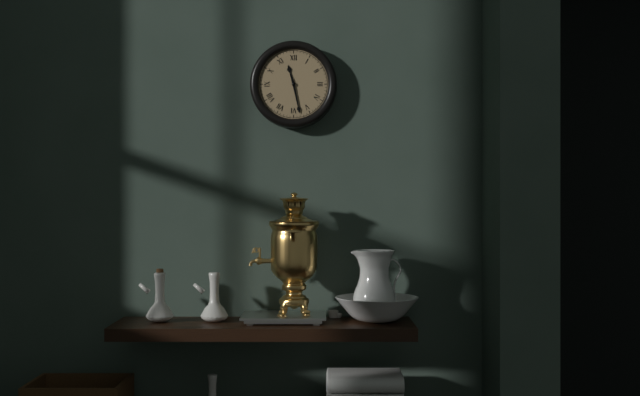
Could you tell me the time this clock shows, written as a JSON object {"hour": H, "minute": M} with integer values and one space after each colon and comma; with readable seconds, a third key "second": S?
{"hour": 11, "minute": 28}
